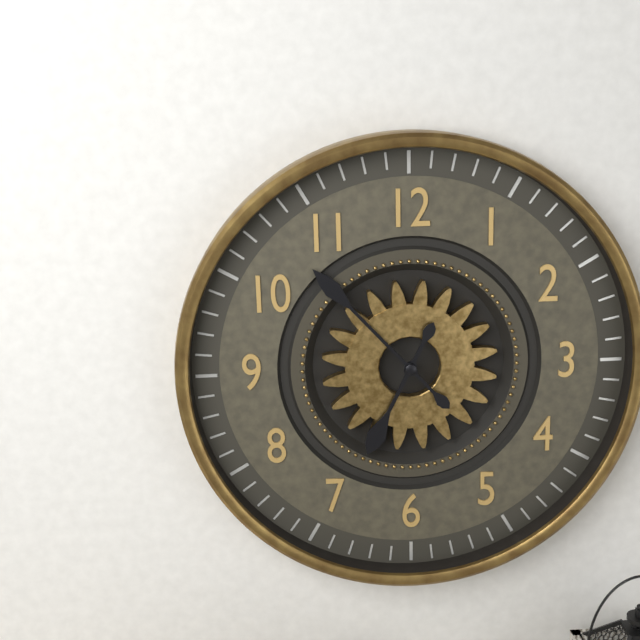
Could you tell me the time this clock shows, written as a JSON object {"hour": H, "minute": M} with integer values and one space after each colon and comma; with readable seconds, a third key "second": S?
{"hour": 6, "minute": 53}
